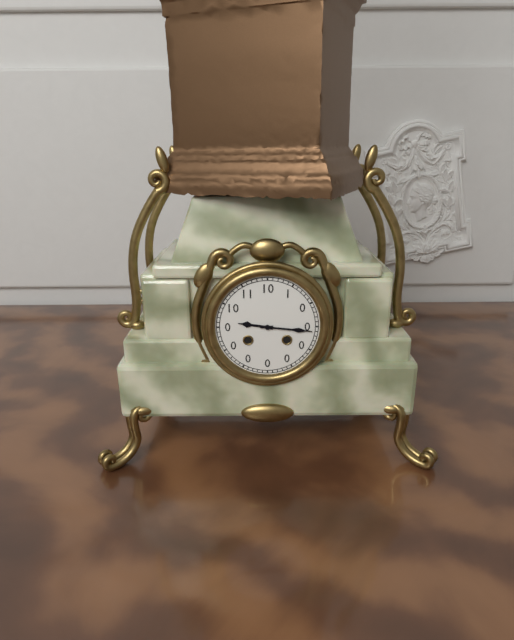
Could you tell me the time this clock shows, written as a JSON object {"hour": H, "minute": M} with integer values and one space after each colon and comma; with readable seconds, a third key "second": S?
{"hour": 9, "minute": 16}
